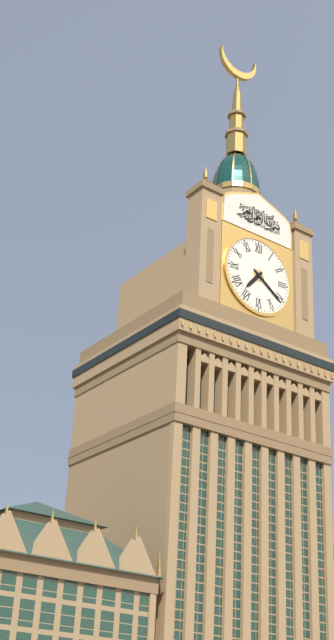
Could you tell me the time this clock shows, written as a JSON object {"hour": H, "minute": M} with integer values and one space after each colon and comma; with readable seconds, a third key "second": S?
{"hour": 7, "minute": 21}
